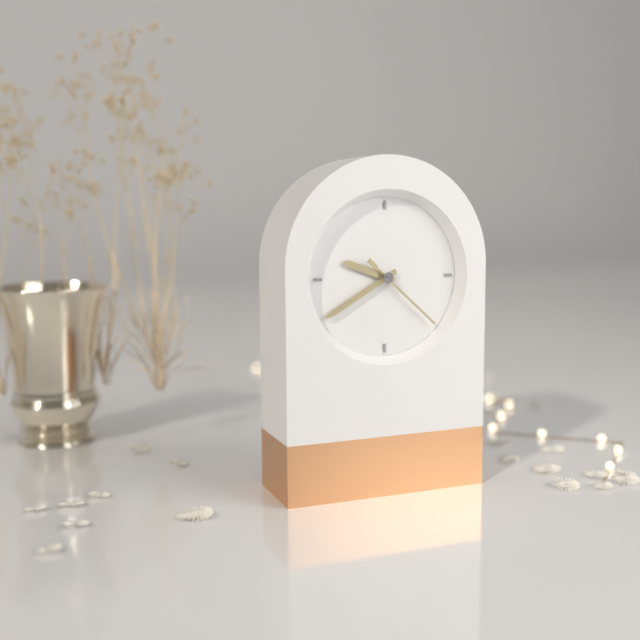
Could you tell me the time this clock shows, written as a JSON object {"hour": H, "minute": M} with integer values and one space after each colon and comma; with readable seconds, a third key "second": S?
{"hour": 9, "minute": 40, "second": 22}
